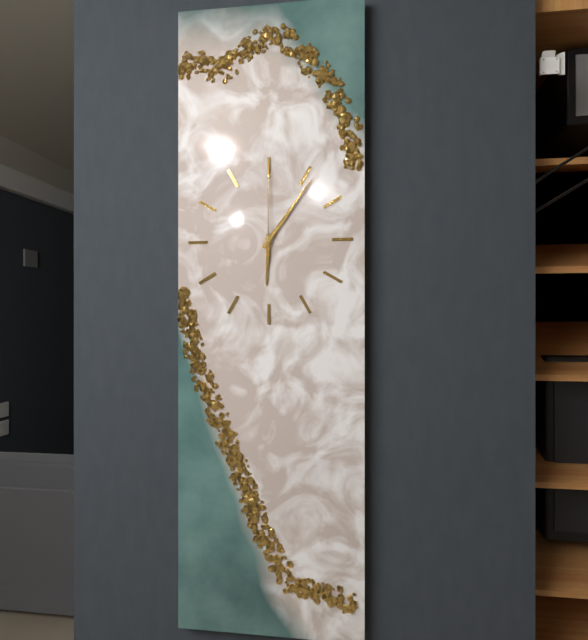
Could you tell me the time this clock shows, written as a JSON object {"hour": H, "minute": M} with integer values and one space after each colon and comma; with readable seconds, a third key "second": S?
{"hour": 6, "minute": 6, "second": 0}
